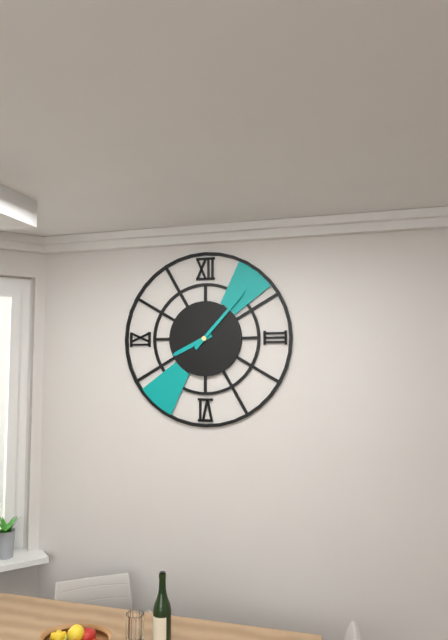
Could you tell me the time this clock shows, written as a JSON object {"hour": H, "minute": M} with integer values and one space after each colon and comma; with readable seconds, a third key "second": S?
{"hour": 8, "minute": 7}
